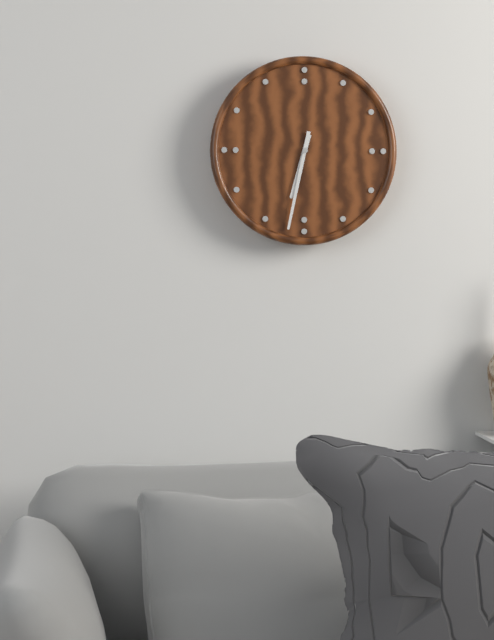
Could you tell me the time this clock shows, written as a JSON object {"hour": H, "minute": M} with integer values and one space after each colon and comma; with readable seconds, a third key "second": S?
{"hour": 6, "minute": 32}
